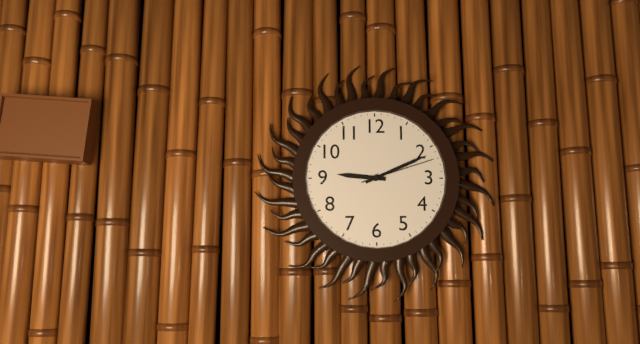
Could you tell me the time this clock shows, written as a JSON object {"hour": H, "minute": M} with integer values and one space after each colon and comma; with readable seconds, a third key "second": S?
{"hour": 9, "minute": 11, "second": 12}
